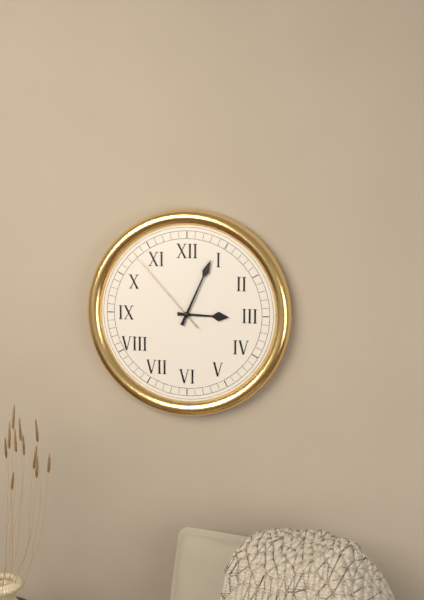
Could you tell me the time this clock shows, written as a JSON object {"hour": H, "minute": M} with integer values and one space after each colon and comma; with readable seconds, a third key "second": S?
{"hour": 3, "minute": 4, "second": 53}
